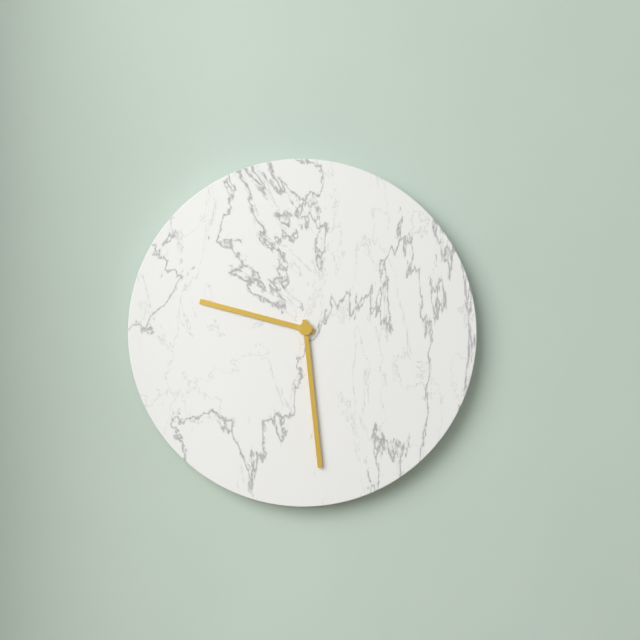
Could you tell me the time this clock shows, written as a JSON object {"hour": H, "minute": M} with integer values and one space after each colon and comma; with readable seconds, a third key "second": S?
{"hour": 9, "minute": 29}
